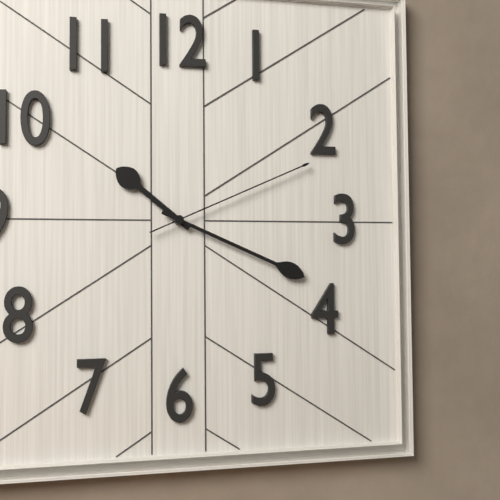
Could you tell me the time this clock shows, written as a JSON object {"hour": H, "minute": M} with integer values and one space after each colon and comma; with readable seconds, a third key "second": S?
{"hour": 10, "minute": 19, "second": 11}
